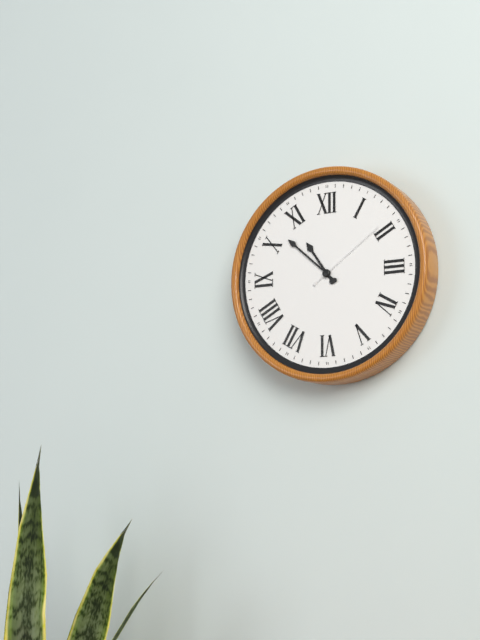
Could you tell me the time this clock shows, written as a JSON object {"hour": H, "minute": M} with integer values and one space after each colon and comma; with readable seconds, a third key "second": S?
{"hour": 10, "minute": 52, "second": 9}
